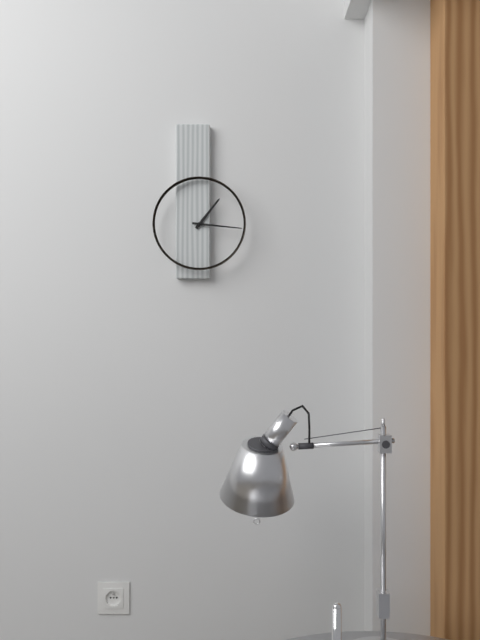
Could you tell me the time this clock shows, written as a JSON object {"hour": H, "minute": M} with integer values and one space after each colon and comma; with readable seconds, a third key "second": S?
{"hour": 1, "minute": 16}
